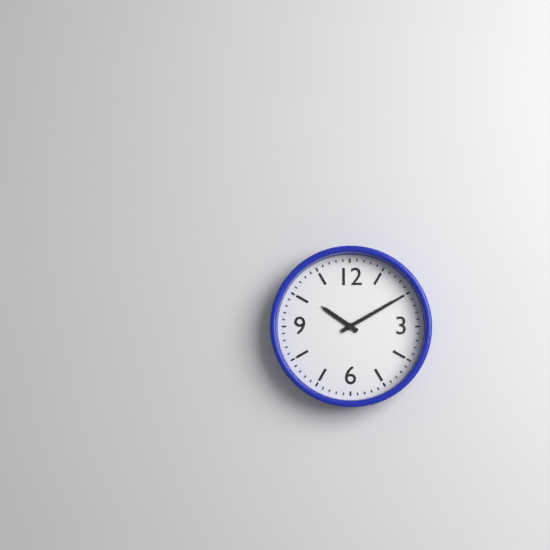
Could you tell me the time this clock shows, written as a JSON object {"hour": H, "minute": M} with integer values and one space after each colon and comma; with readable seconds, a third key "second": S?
{"hour": 10, "minute": 10}
